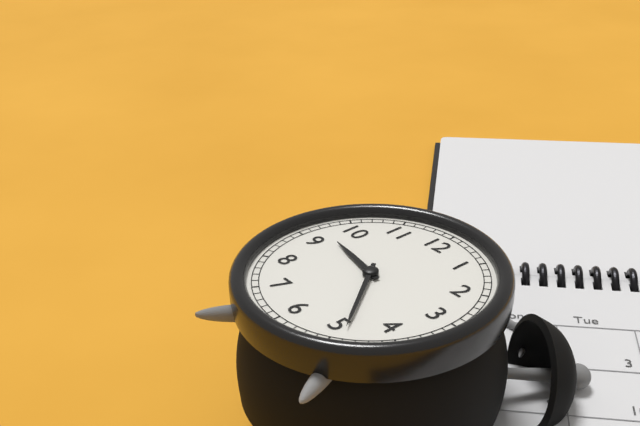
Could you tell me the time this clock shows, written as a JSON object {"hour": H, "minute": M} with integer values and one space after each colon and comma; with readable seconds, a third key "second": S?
{"hour": 9, "minute": 24}
